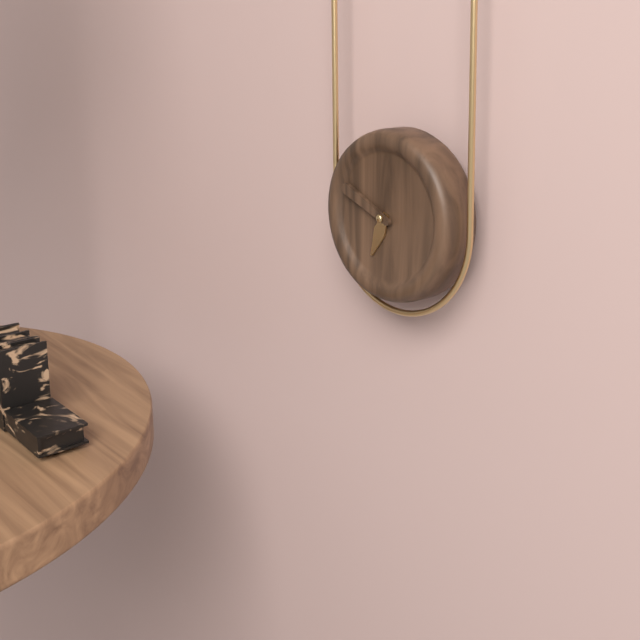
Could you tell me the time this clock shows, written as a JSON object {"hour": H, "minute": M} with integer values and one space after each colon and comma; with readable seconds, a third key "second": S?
{"hour": 6, "minute": 49}
